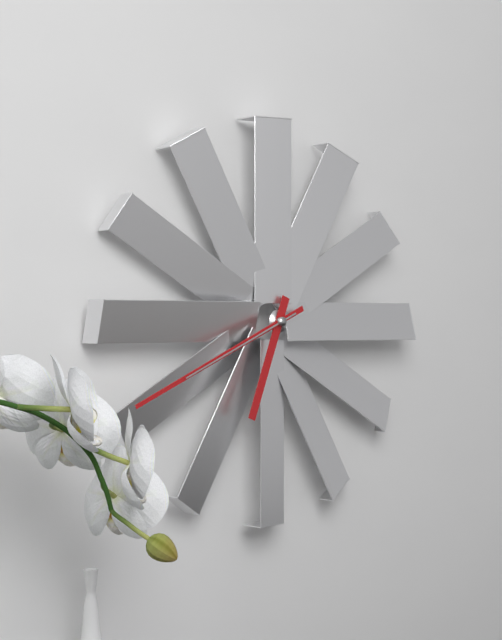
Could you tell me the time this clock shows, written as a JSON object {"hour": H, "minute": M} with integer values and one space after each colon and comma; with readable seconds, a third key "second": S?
{"hour": 6, "minute": 41, "second": 41}
